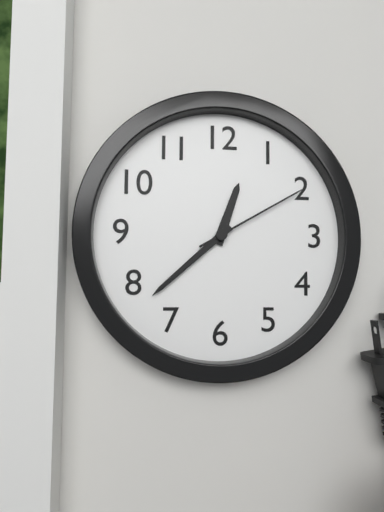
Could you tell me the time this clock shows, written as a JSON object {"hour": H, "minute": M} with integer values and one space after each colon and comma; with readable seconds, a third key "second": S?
{"hour": 12, "minute": 38, "second": 10}
